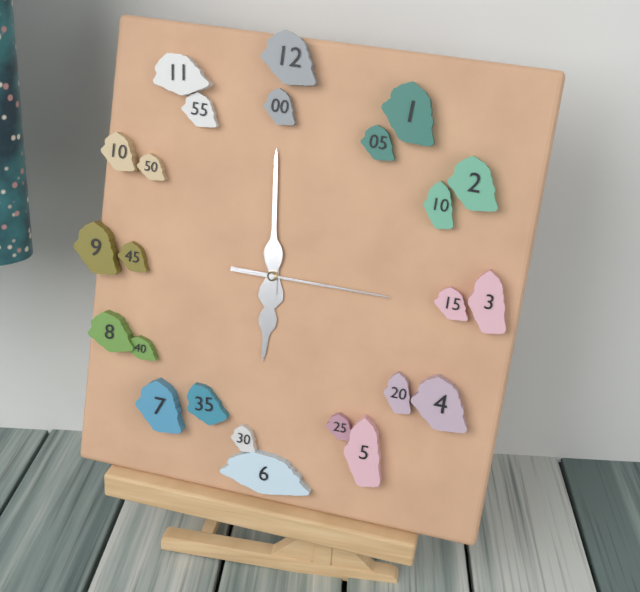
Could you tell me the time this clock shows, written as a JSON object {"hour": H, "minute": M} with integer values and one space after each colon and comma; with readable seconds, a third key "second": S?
{"hour": 5, "minute": 59, "second": 15}
